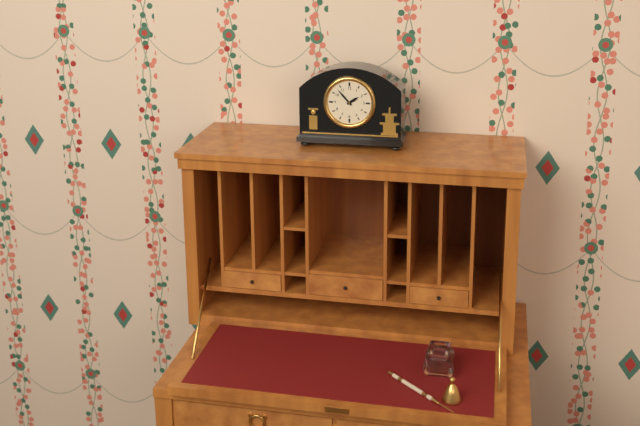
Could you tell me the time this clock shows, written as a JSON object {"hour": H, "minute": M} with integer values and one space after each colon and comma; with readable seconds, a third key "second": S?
{"hour": 1, "minute": 53}
